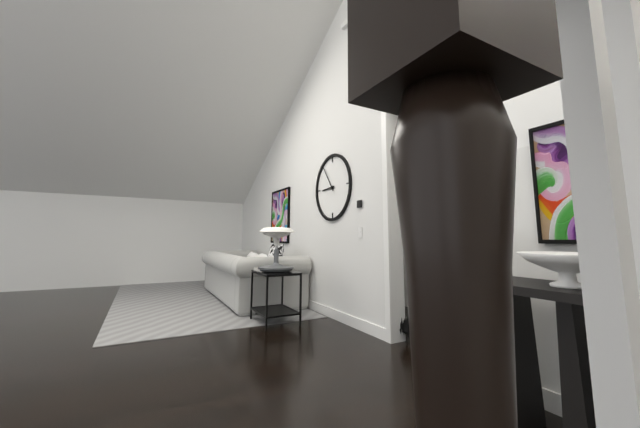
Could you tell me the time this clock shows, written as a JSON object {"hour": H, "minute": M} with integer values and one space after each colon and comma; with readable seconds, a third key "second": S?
{"hour": 8, "minute": 54}
